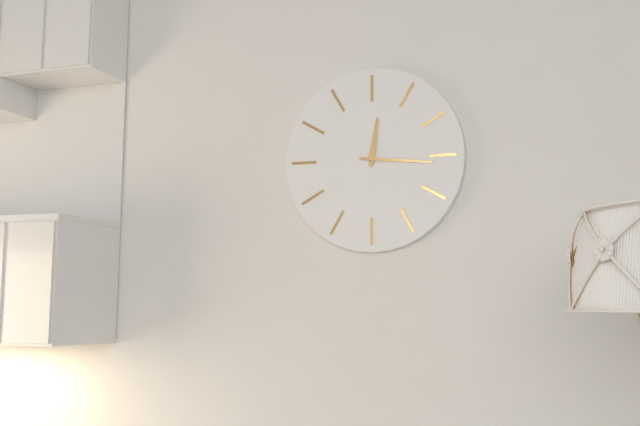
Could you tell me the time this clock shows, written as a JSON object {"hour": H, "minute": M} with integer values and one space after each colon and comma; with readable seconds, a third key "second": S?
{"hour": 12, "minute": 16}
